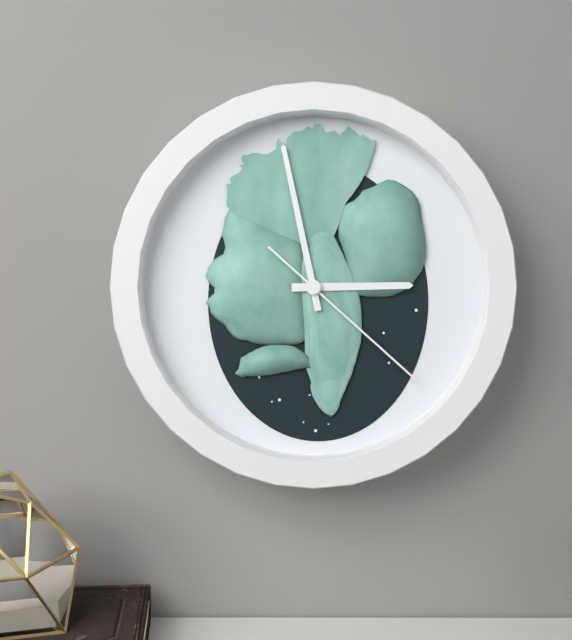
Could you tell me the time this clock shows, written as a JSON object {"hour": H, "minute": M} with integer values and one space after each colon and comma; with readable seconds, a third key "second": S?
{"hour": 2, "minute": 58, "second": 22}
